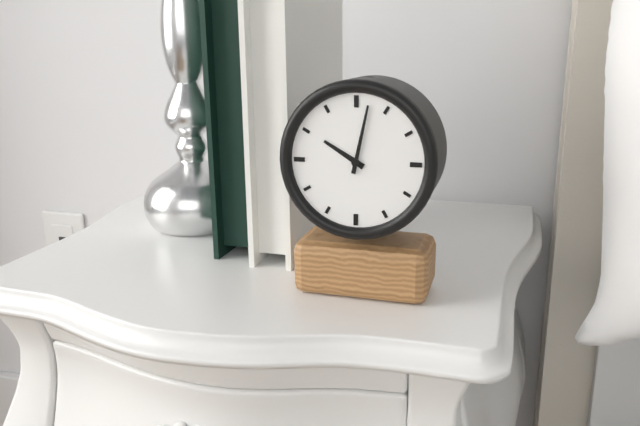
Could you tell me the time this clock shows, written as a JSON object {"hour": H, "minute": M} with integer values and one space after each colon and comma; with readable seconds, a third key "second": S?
{"hour": 10, "minute": 2}
